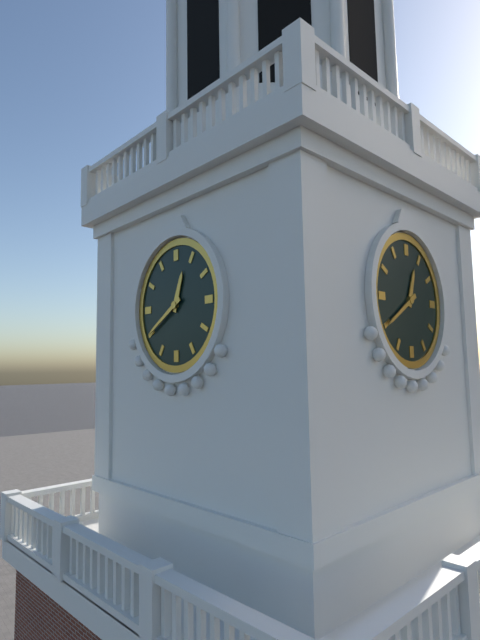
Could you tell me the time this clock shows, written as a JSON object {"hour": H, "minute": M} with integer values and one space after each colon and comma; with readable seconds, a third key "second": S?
{"hour": 12, "minute": 40}
